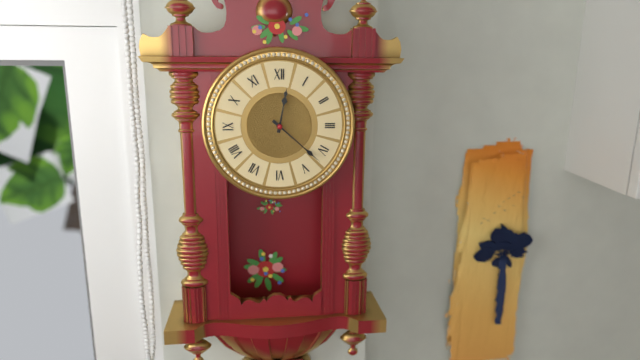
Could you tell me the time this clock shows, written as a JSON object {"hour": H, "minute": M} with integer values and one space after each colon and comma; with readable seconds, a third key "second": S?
{"hour": 12, "minute": 22}
